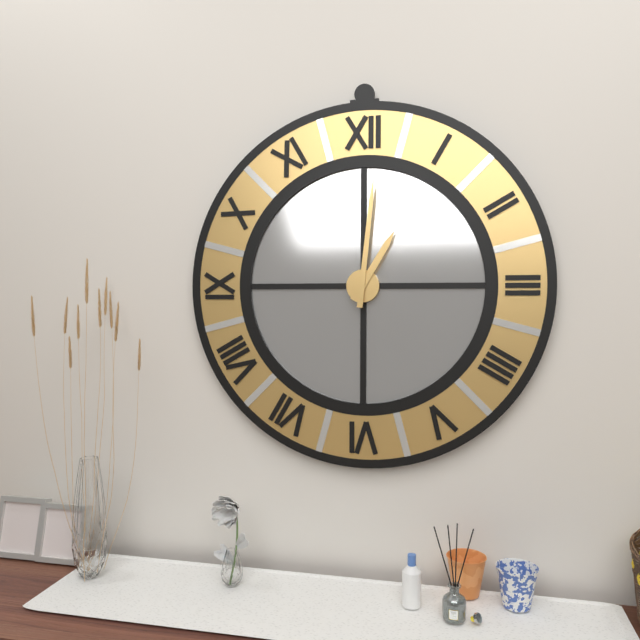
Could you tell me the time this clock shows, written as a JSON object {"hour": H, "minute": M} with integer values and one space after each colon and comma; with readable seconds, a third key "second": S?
{"hour": 1, "minute": 1}
